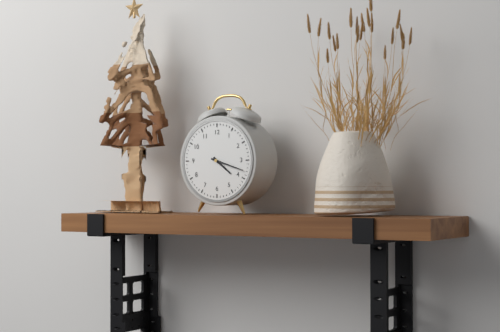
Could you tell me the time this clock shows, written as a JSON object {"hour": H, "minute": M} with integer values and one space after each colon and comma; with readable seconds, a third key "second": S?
{"hour": 4, "minute": 18}
